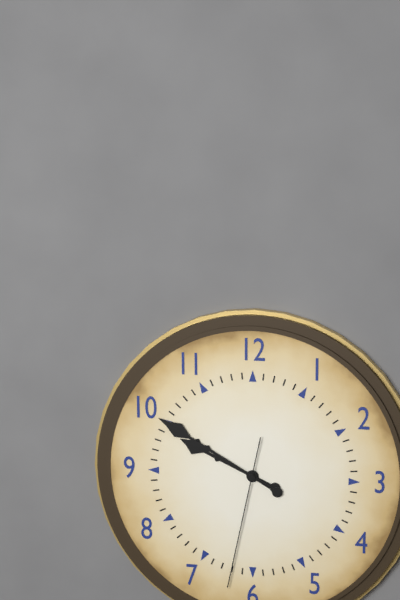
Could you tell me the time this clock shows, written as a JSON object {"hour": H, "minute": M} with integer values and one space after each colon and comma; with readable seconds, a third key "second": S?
{"hour": 9, "minute": 50, "second": 32}
